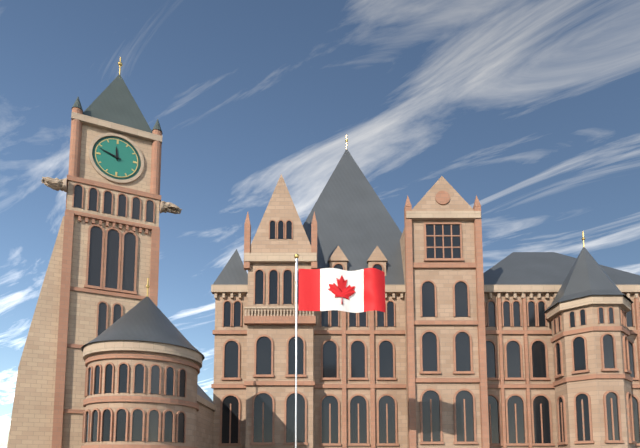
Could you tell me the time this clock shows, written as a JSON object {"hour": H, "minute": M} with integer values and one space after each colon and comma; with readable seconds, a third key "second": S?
{"hour": 11, "minute": 48}
